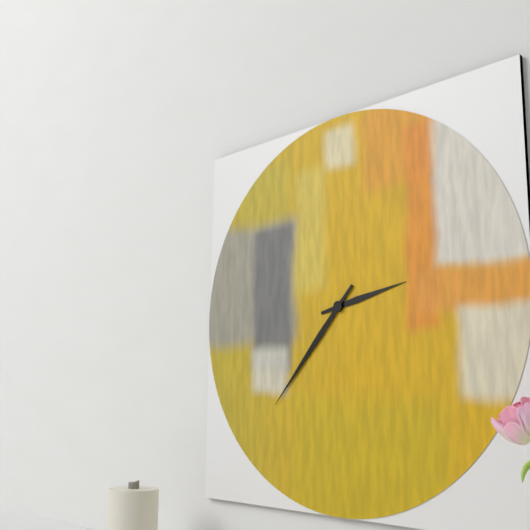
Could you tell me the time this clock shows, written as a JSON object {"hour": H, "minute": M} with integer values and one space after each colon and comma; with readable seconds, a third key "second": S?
{"hour": 2, "minute": 37}
